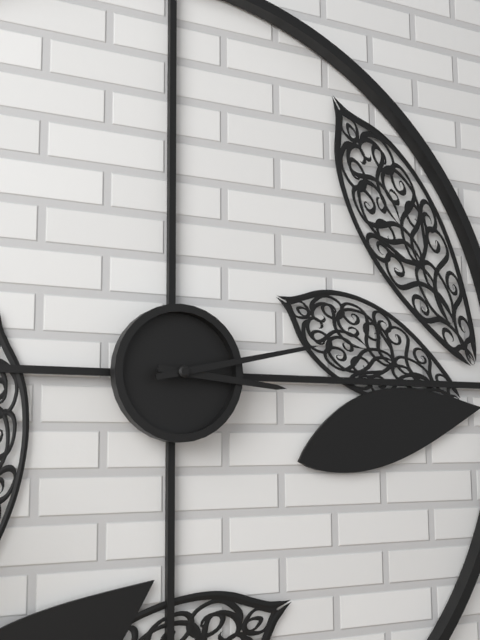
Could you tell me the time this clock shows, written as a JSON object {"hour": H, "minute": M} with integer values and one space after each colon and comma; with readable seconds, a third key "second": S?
{"hour": 3, "minute": 13}
